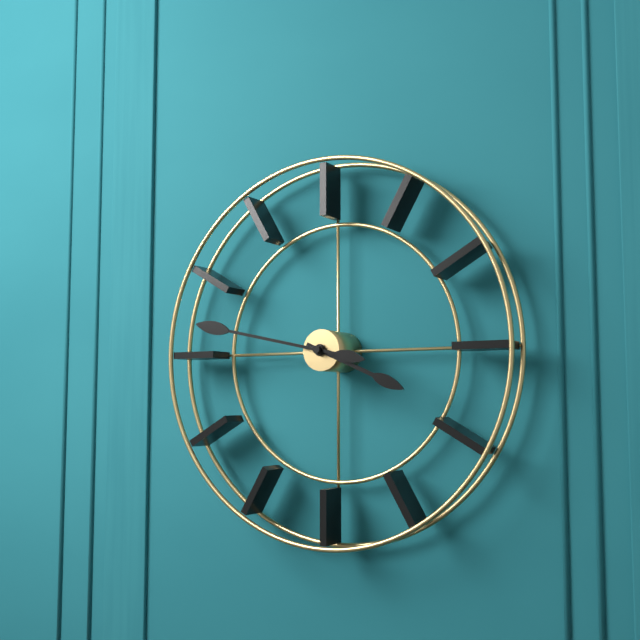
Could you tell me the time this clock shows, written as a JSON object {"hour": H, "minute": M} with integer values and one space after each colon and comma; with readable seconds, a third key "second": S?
{"hour": 3, "minute": 47}
